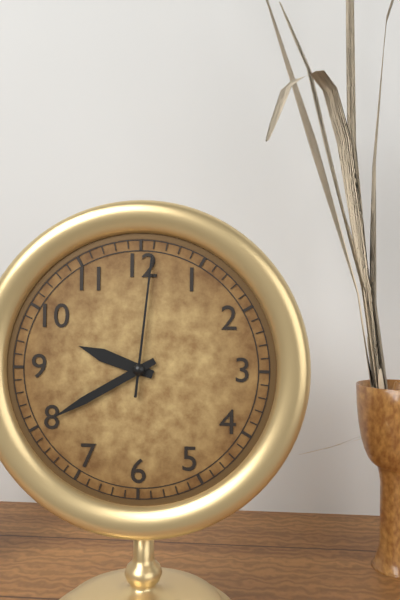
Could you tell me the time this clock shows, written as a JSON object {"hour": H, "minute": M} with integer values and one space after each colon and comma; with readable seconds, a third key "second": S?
{"hour": 9, "minute": 40, "second": 1}
